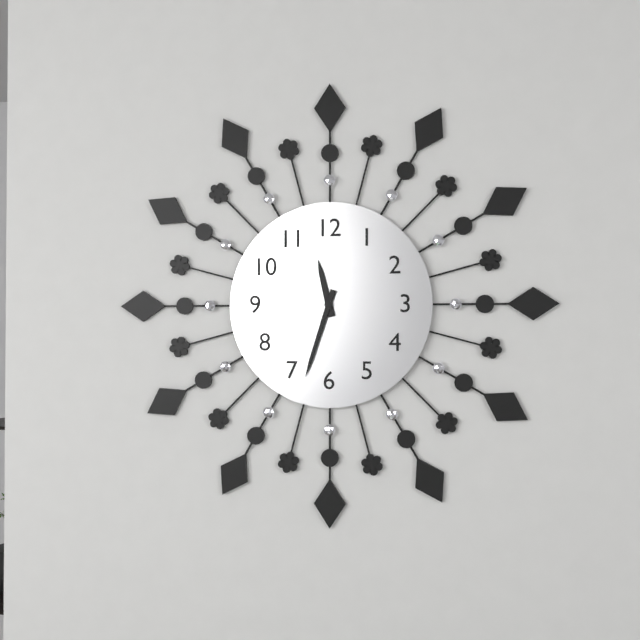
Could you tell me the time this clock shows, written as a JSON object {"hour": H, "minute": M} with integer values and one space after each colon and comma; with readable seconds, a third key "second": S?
{"hour": 11, "minute": 33}
